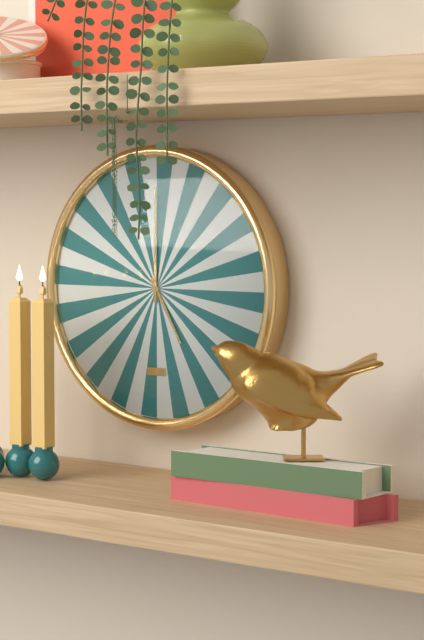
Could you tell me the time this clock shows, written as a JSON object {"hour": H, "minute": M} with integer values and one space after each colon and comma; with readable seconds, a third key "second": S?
{"hour": 5, "minute": 0}
